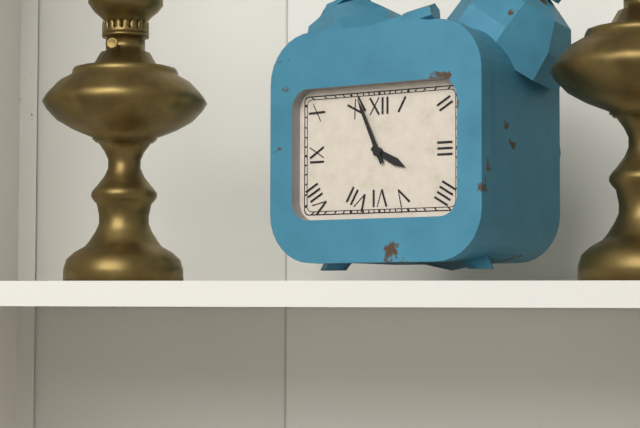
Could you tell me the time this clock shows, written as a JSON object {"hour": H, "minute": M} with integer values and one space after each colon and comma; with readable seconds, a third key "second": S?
{"hour": 3, "minute": 56}
